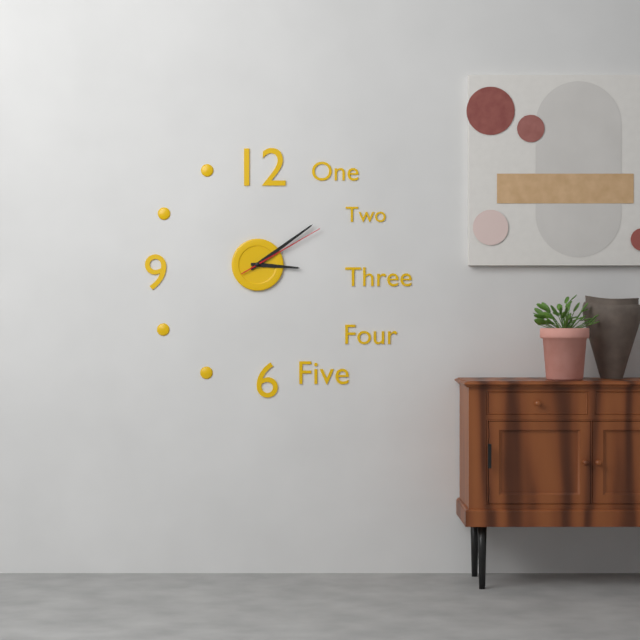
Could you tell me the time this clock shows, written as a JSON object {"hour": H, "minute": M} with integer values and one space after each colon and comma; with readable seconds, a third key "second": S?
{"hour": 3, "minute": 9, "second": 10}
